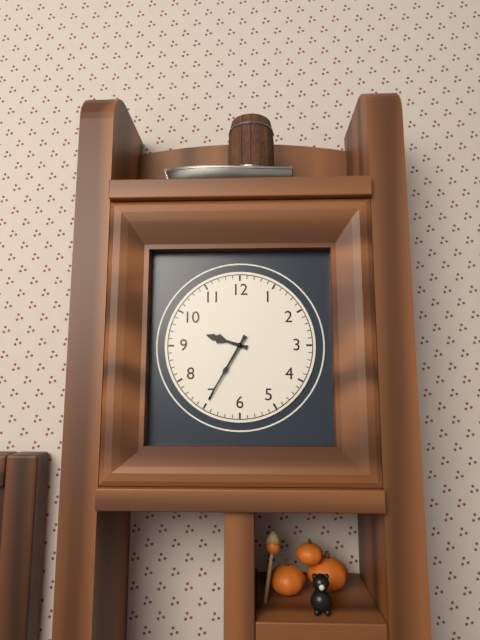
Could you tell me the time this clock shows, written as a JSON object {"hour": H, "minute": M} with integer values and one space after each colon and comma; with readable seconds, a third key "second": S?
{"hour": 9, "minute": 35}
